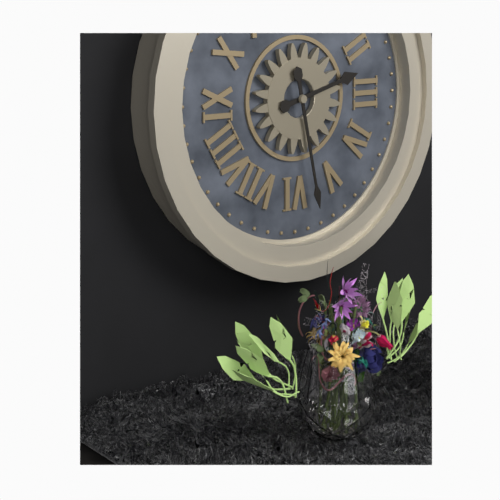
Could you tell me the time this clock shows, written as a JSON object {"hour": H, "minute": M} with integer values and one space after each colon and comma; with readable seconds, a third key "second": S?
{"hour": 2, "minute": 28}
